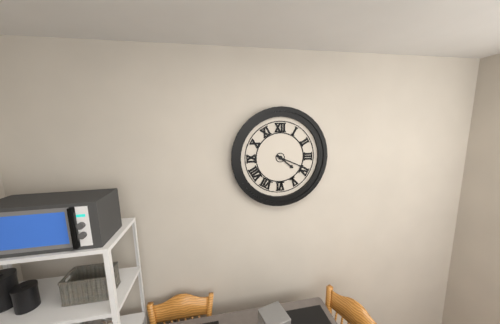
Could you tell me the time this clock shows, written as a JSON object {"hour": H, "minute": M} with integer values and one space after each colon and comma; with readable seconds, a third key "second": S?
{"hour": 4, "minute": 19}
